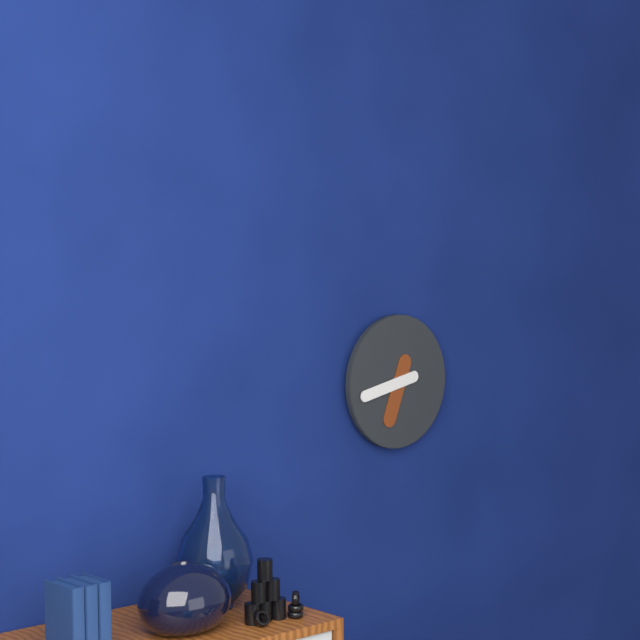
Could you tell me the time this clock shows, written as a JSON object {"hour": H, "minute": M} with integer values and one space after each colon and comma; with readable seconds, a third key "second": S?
{"hour": 6, "minute": 43}
